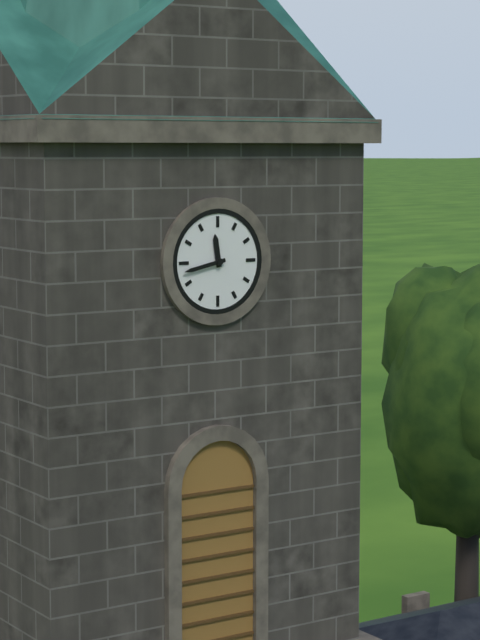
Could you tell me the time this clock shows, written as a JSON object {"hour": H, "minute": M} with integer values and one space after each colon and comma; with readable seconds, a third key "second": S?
{"hour": 11, "minute": 43}
